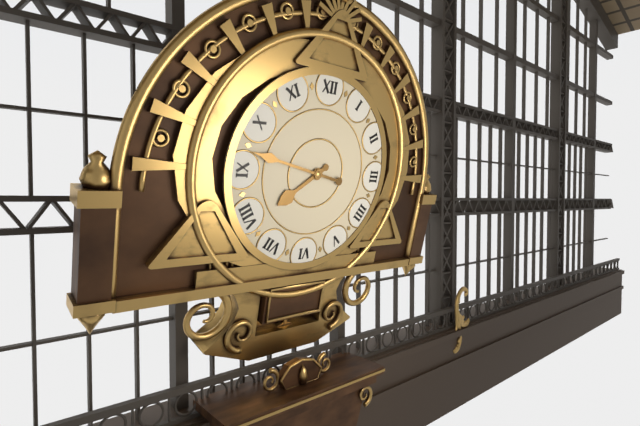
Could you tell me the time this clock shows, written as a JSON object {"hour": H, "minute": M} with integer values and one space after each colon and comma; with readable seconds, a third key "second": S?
{"hour": 7, "minute": 47}
